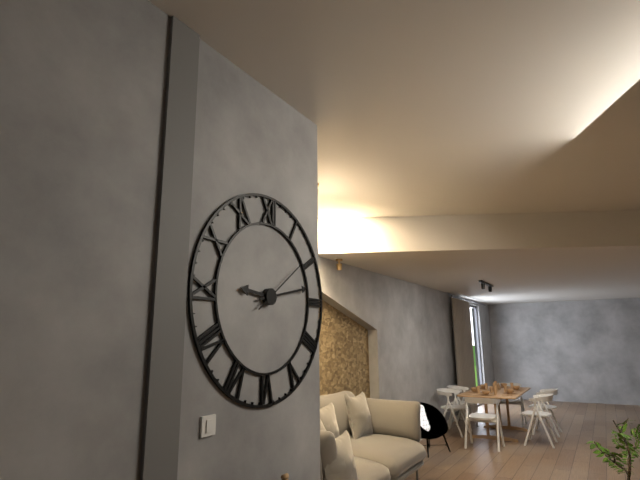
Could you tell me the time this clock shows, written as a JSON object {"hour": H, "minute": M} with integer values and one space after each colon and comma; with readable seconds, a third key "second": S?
{"hour": 9, "minute": 13, "second": 9}
